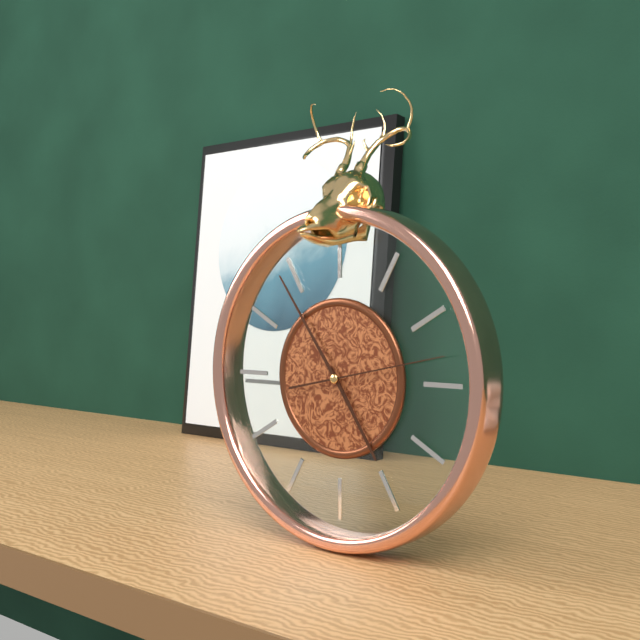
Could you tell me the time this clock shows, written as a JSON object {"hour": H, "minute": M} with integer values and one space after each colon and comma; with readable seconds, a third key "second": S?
{"hour": 4, "minute": 54, "second": 13}
